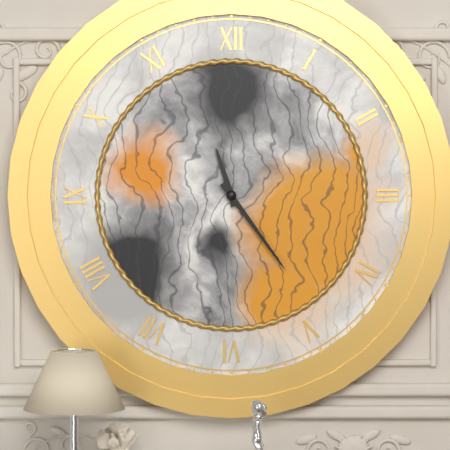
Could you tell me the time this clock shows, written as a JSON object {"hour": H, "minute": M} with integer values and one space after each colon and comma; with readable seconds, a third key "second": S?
{"hour": 11, "minute": 24}
